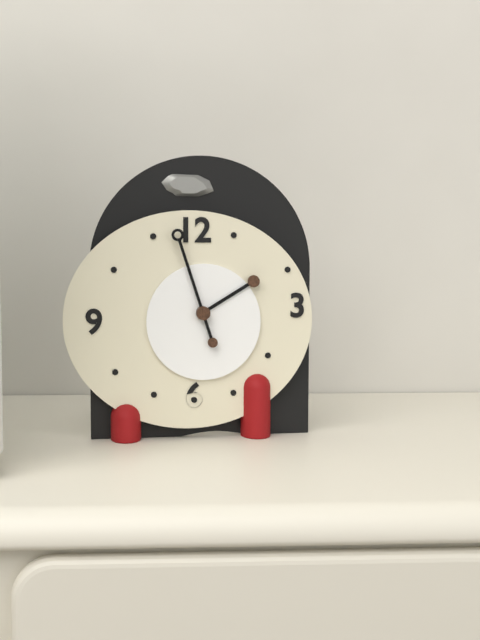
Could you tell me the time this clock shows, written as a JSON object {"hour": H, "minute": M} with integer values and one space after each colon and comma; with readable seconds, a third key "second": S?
{"hour": 1, "minute": 57}
